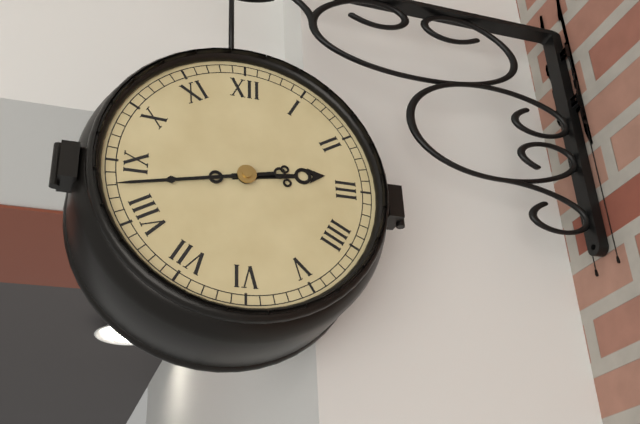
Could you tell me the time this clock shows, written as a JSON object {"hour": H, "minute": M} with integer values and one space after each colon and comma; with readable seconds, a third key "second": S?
{"hour": 2, "minute": 43}
